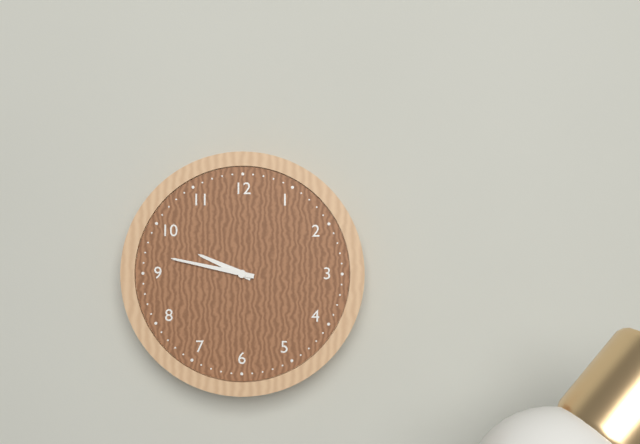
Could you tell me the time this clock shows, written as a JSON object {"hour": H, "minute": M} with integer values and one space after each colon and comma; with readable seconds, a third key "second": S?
{"hour": 9, "minute": 47}
